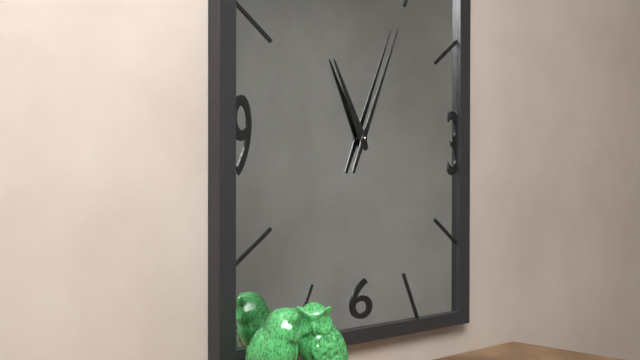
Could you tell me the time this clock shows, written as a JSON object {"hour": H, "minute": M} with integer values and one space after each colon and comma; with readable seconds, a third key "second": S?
{"hour": 11, "minute": 4}
